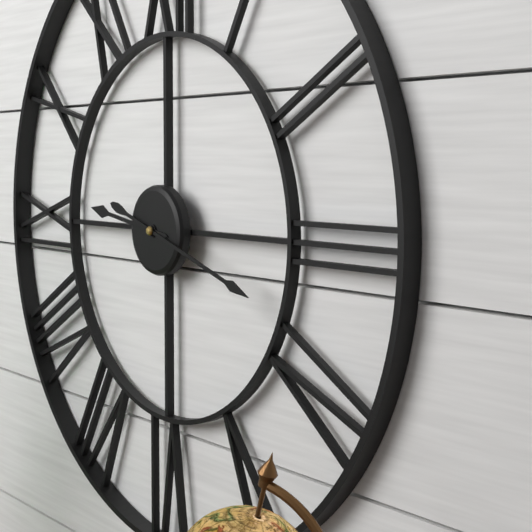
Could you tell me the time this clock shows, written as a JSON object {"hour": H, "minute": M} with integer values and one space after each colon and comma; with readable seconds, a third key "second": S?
{"hour": 9, "minute": 18}
